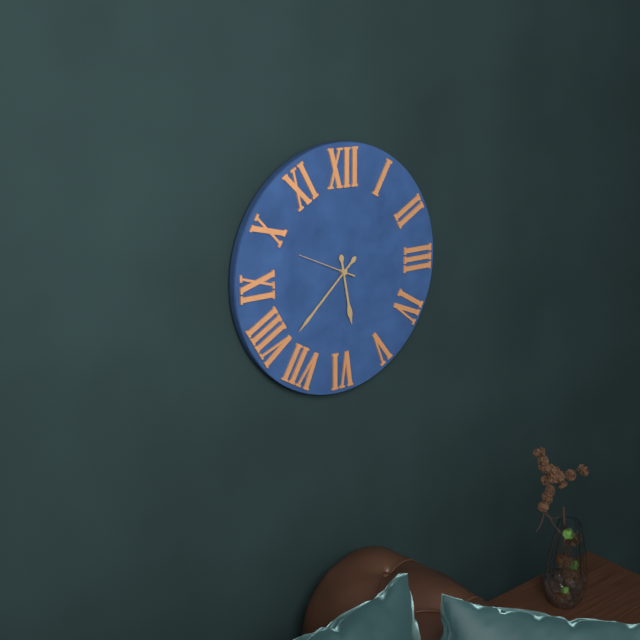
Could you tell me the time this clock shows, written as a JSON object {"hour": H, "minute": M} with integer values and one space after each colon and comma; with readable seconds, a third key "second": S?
{"hour": 5, "minute": 38, "second": 49}
